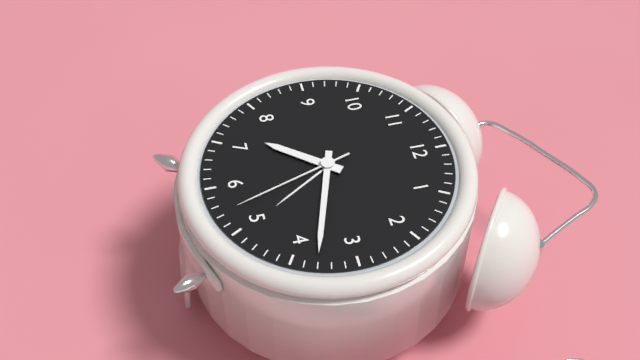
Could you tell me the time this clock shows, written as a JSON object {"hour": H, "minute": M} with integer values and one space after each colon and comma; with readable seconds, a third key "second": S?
{"hour": 7, "minute": 18, "second": 27}
